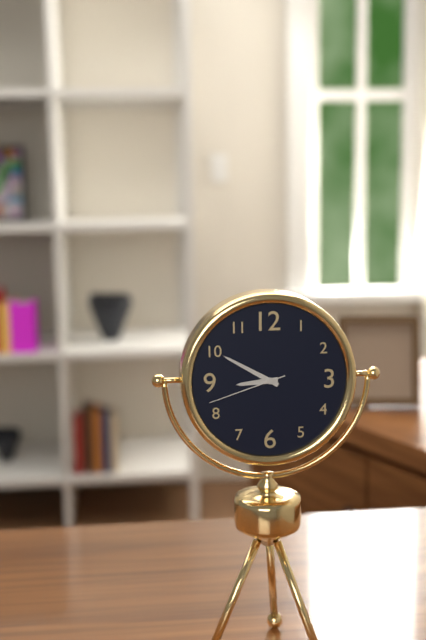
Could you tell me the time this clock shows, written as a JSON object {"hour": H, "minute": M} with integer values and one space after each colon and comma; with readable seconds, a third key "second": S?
{"hour": 8, "minute": 50, "second": 42}
